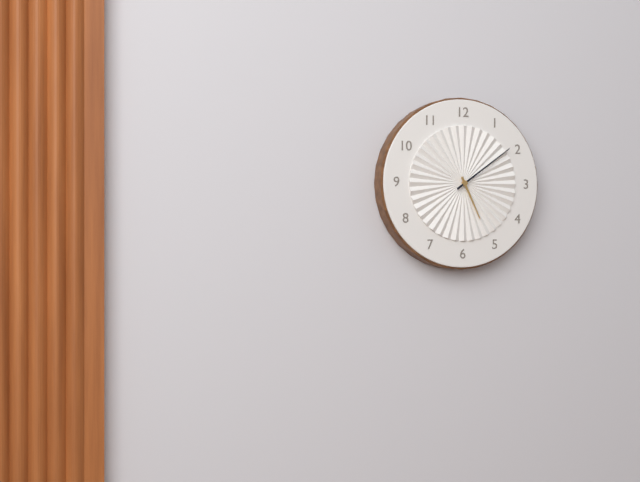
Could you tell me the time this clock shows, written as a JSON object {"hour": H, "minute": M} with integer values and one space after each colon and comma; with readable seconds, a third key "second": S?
{"hour": 5, "minute": 9}
